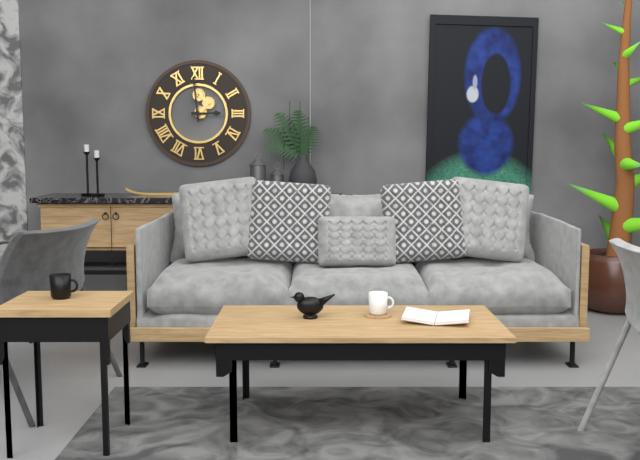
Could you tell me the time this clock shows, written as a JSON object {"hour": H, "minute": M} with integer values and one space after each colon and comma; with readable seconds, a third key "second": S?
{"hour": 2, "minute": 59}
